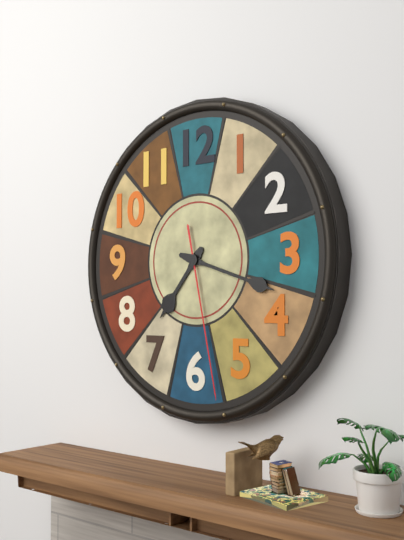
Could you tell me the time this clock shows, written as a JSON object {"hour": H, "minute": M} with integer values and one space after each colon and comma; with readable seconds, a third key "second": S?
{"hour": 7, "minute": 18, "second": 28}
